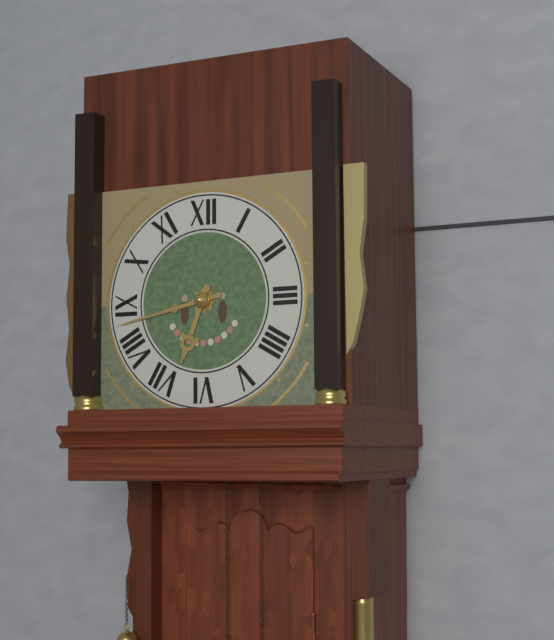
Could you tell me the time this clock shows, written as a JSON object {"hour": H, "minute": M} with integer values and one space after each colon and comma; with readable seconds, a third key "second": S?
{"hour": 6, "minute": 43}
